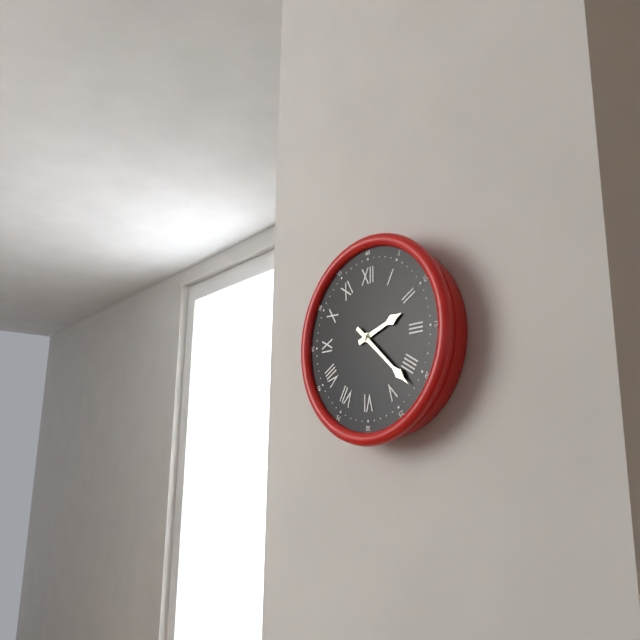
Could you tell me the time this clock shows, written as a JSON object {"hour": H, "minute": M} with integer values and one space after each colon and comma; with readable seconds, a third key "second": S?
{"hour": 2, "minute": 22}
